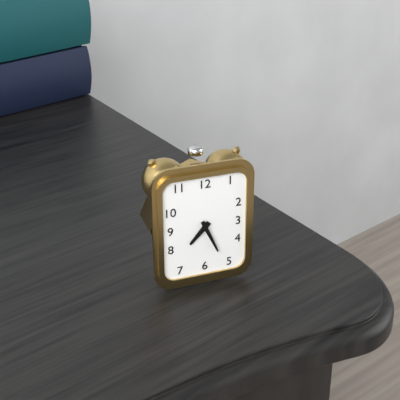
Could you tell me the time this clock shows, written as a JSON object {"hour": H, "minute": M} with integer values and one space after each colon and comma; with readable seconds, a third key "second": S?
{"hour": 7, "minute": 26}
